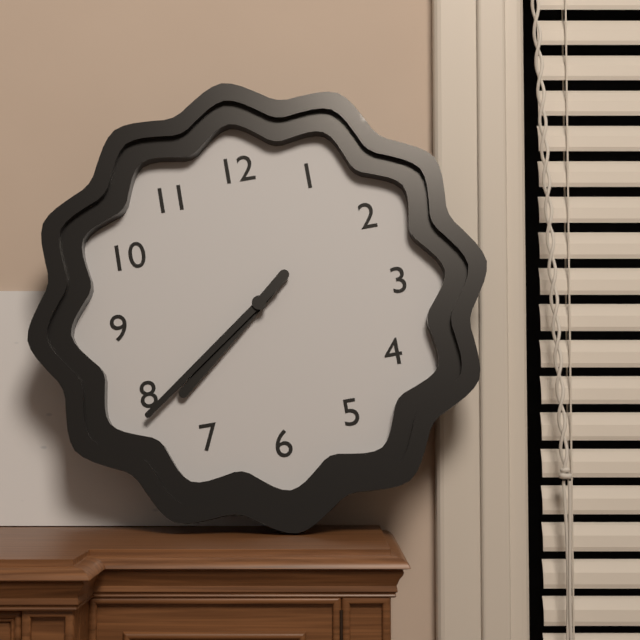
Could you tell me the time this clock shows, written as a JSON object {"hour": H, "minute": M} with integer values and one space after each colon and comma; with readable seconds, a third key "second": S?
{"hour": 7, "minute": 39}
